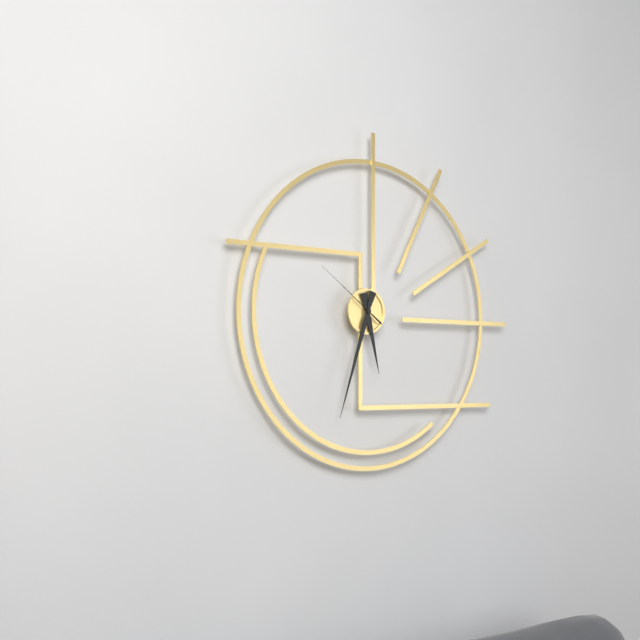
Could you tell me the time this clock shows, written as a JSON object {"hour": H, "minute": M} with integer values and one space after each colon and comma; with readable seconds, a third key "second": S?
{"hour": 5, "minute": 33, "second": 51}
